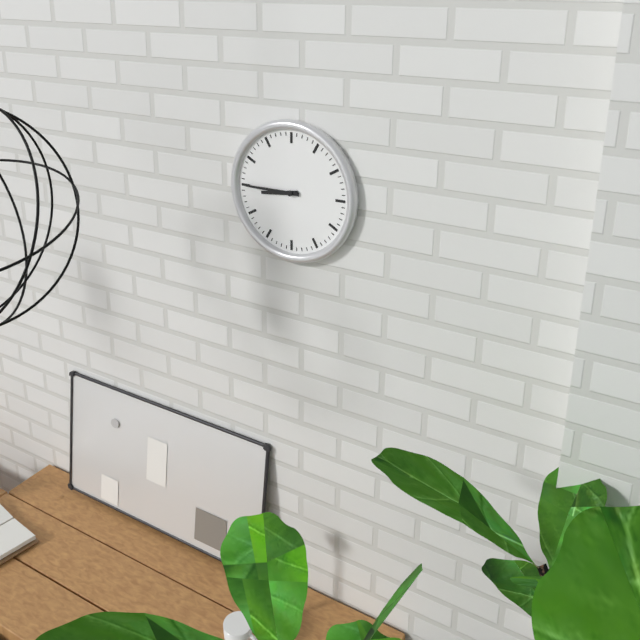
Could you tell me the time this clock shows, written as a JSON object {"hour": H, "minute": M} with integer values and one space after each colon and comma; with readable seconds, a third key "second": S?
{"hour": 8, "minute": 45}
